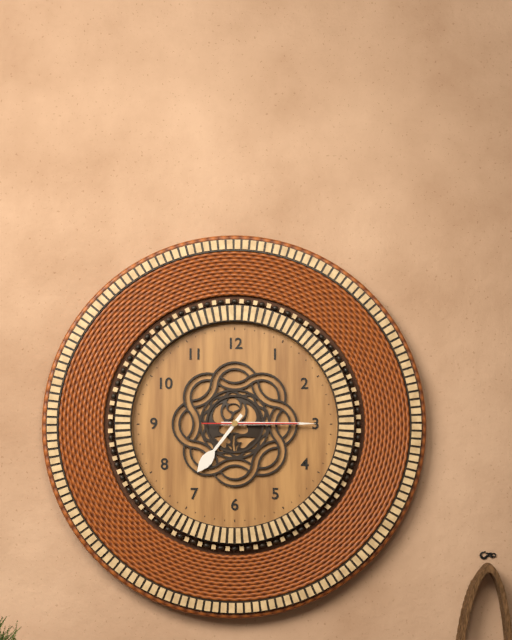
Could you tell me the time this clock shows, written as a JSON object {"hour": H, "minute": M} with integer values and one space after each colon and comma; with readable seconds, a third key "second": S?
{"hour": 7, "minute": 15, "second": 15}
